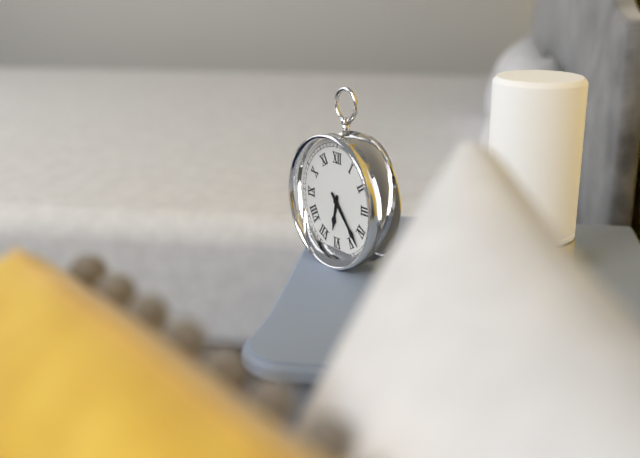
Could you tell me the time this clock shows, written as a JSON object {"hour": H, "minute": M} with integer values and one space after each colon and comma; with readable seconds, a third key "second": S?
{"hour": 6, "minute": 23}
